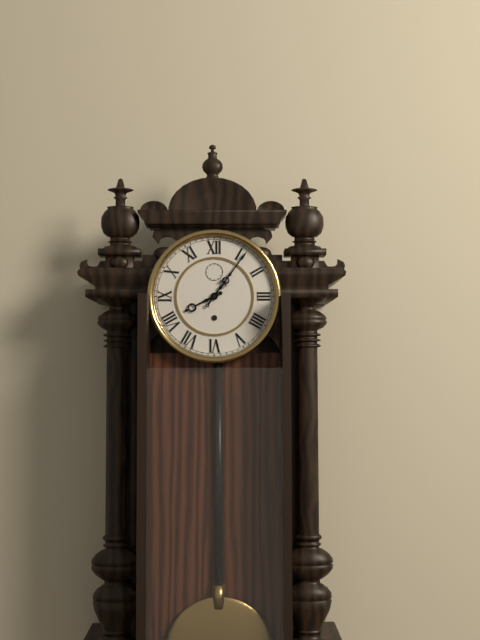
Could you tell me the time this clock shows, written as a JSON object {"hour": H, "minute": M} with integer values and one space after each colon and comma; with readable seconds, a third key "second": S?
{"hour": 8, "minute": 6}
